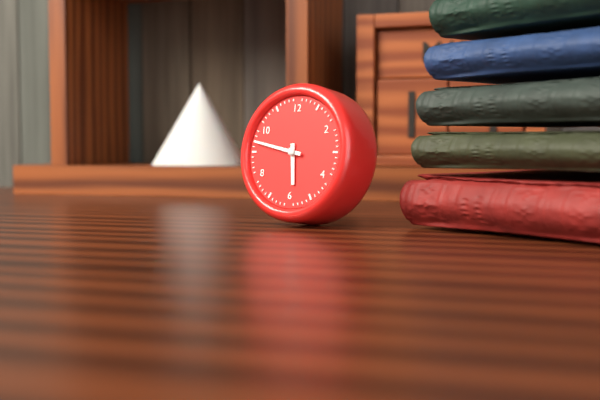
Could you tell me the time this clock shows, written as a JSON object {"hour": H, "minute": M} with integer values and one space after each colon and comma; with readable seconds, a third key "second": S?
{"hour": 5, "minute": 47}
